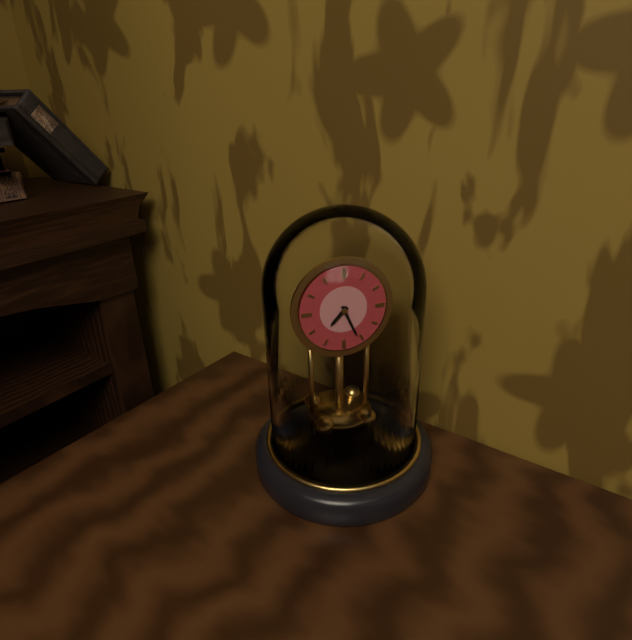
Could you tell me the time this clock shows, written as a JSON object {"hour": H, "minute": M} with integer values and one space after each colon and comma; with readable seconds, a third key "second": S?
{"hour": 7, "minute": 26}
